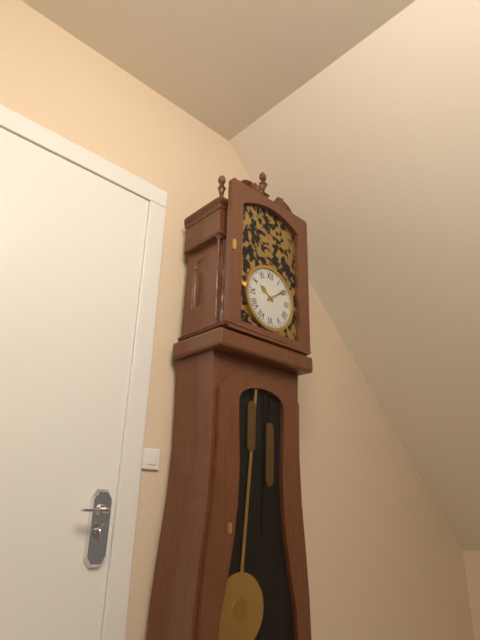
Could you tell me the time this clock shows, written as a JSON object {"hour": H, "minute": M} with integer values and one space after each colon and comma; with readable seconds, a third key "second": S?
{"hour": 10, "minute": 9}
